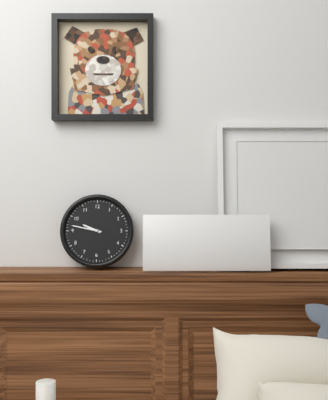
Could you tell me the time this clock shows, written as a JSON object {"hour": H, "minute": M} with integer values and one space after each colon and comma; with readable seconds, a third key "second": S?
{"hour": 9, "minute": 47}
